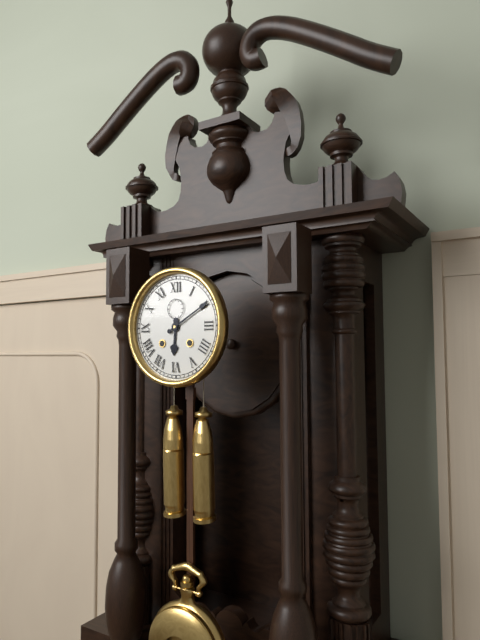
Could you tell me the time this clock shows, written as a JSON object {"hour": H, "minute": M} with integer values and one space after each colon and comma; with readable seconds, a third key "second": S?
{"hour": 6, "minute": 10}
